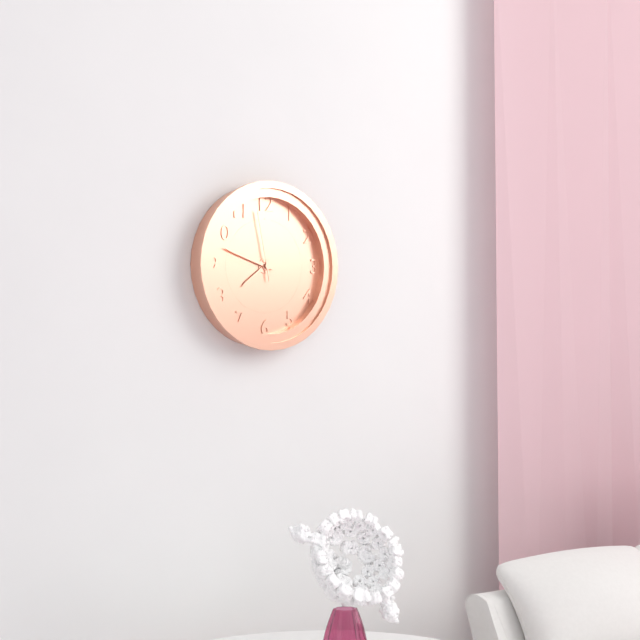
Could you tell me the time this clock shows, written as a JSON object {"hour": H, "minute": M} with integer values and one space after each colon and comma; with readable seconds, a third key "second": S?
{"hour": 7, "minute": 48, "second": 58}
